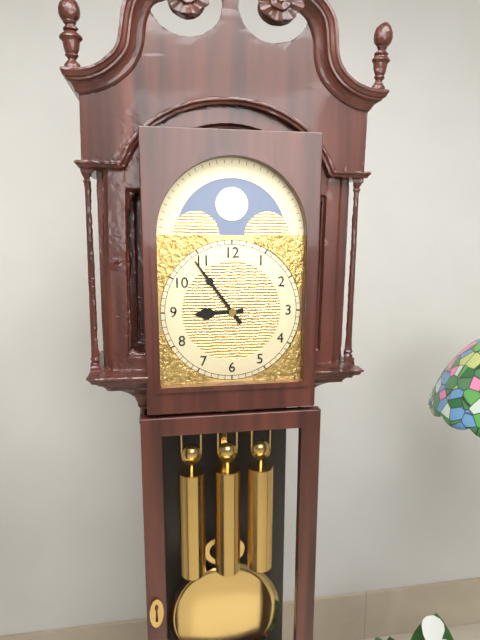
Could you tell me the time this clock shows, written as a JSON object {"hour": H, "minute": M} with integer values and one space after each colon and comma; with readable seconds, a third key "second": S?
{"hour": 8, "minute": 54}
